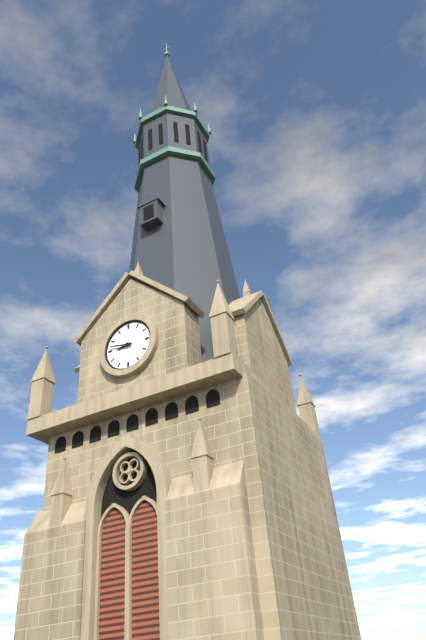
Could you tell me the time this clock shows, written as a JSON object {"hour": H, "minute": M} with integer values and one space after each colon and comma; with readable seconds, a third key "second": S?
{"hour": 8, "minute": 47}
